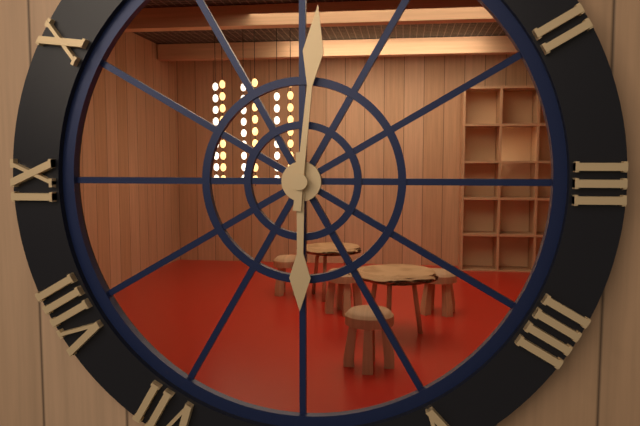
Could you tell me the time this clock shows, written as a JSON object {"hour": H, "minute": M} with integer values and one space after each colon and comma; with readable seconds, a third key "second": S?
{"hour": 6, "minute": 1}
